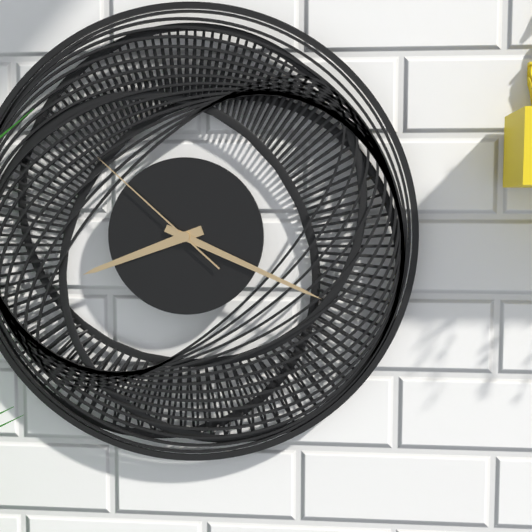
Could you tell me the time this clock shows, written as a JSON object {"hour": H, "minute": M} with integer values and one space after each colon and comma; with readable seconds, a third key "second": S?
{"hour": 8, "minute": 19, "second": 52}
